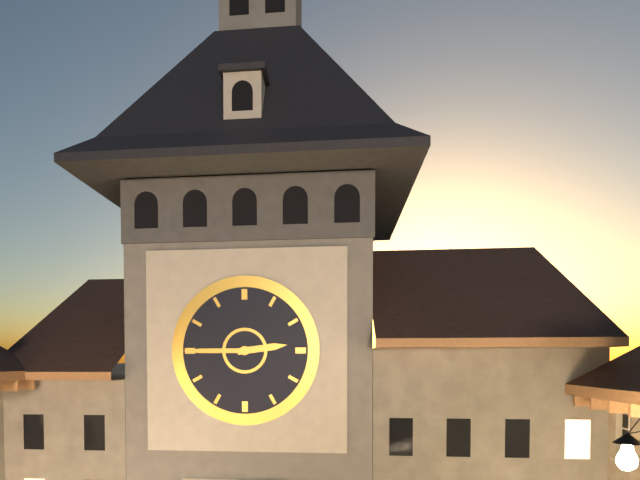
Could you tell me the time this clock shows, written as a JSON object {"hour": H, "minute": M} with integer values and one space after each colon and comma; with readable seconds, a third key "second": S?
{"hour": 2, "minute": 45}
